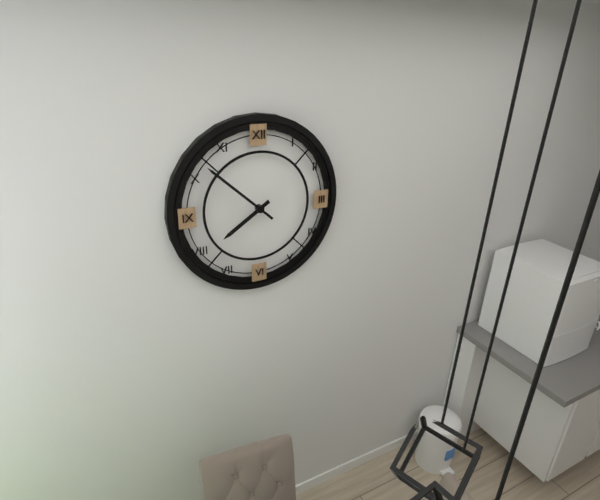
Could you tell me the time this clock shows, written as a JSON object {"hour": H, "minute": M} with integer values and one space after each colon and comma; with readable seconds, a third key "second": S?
{"hour": 7, "minute": 52}
